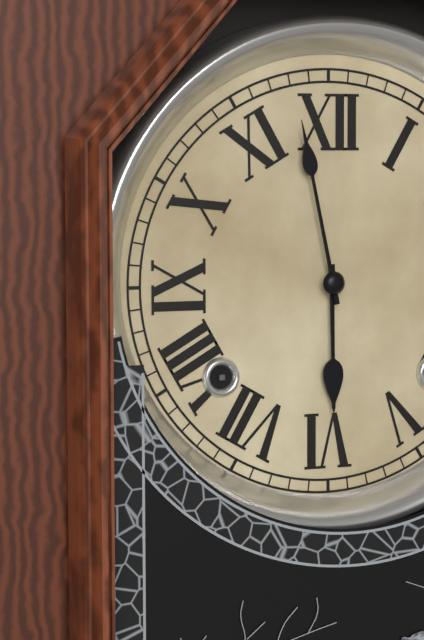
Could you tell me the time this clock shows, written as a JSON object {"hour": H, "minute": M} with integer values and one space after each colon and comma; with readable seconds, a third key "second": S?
{"hour": 5, "minute": 58}
